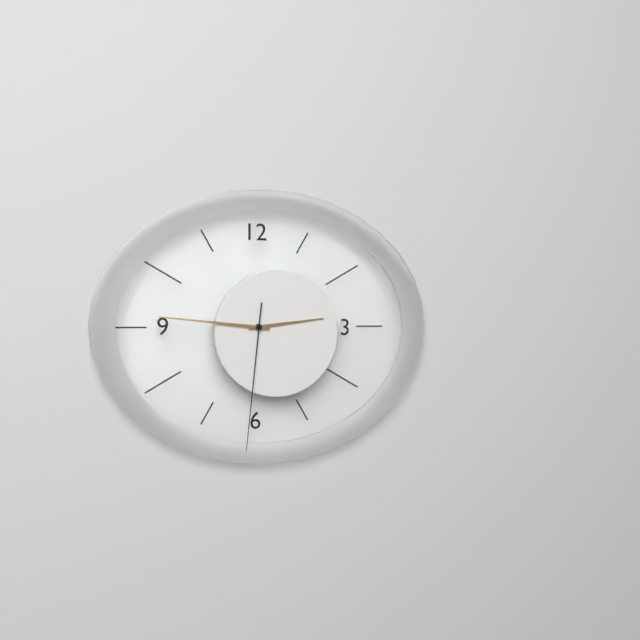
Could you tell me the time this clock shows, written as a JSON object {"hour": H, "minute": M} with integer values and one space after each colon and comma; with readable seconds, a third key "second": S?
{"hour": 2, "minute": 46, "second": 31}
